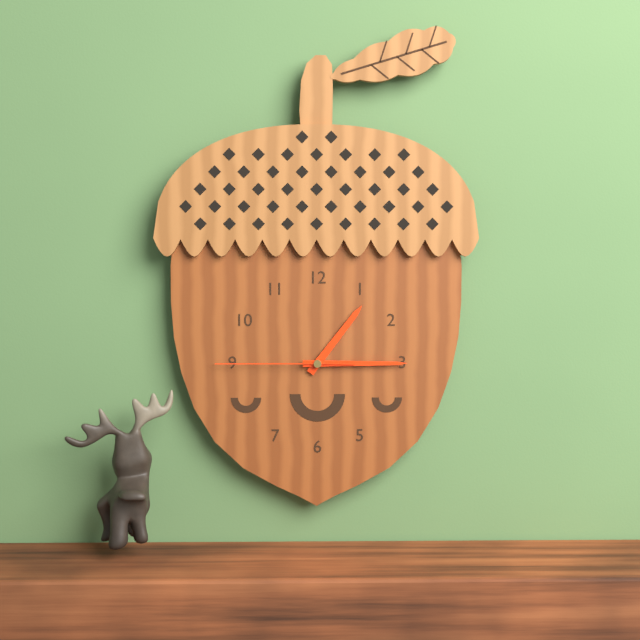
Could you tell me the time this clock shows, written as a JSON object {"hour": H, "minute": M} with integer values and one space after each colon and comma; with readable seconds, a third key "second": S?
{"hour": 1, "minute": 15, "second": 45}
